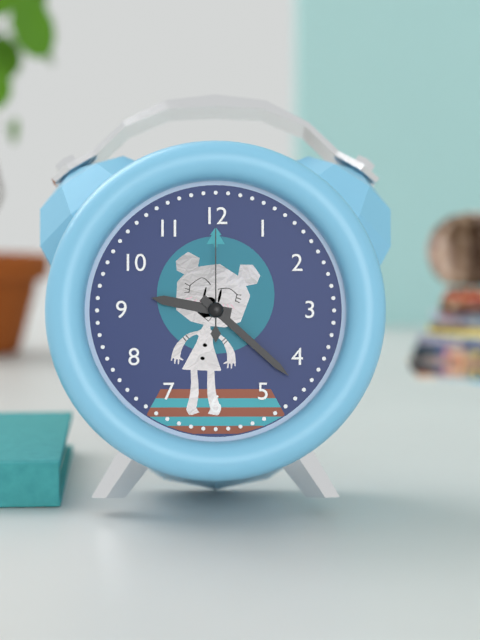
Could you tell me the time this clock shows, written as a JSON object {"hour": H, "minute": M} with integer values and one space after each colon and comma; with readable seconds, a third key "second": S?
{"hour": 9, "minute": 22, "second": 0}
